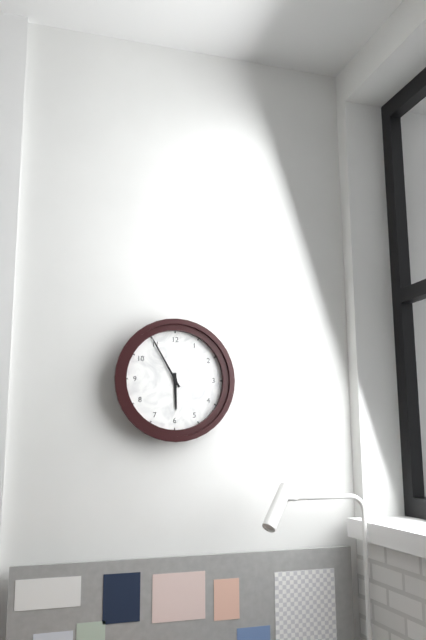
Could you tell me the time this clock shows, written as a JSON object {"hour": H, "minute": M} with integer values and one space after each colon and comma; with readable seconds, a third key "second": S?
{"hour": 5, "minute": 55}
